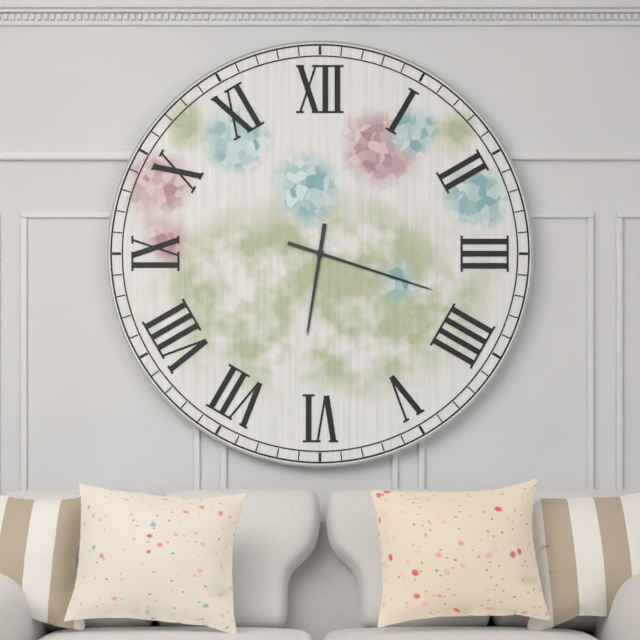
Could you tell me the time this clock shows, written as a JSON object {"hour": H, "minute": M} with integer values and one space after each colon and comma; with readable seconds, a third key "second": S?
{"hour": 6, "minute": 18}
